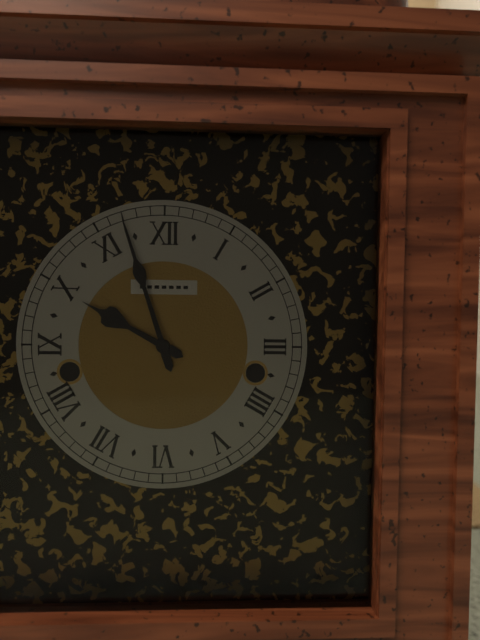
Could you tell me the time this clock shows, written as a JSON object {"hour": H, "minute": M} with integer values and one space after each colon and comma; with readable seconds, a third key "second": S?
{"hour": 9, "minute": 57}
